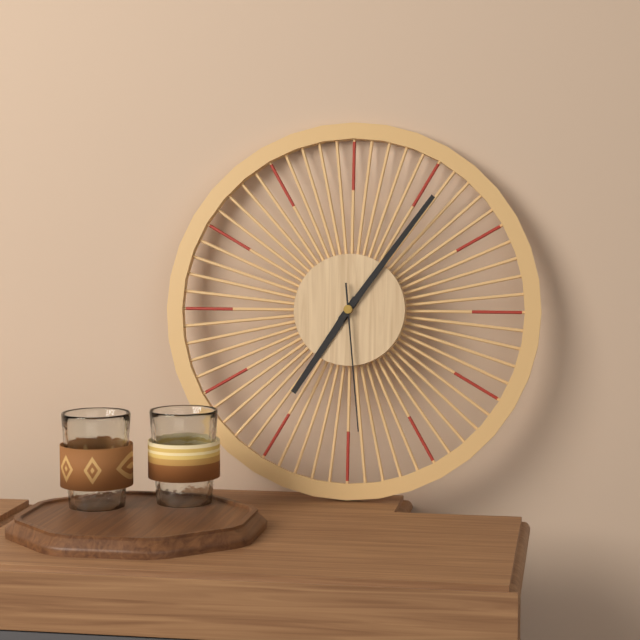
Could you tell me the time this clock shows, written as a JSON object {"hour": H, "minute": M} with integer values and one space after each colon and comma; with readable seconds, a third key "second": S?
{"hour": 7, "minute": 6, "second": 29}
